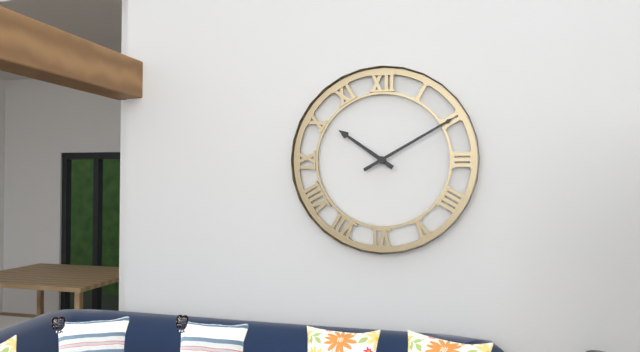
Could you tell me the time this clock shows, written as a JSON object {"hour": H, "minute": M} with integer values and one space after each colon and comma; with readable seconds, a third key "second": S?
{"hour": 10, "minute": 10}
